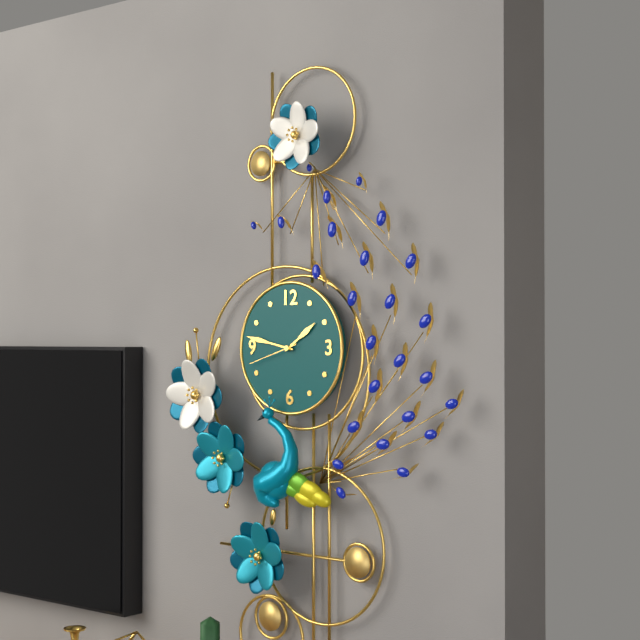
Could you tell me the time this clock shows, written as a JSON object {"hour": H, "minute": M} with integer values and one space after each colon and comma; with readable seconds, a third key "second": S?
{"hour": 1, "minute": 47, "second": 42}
